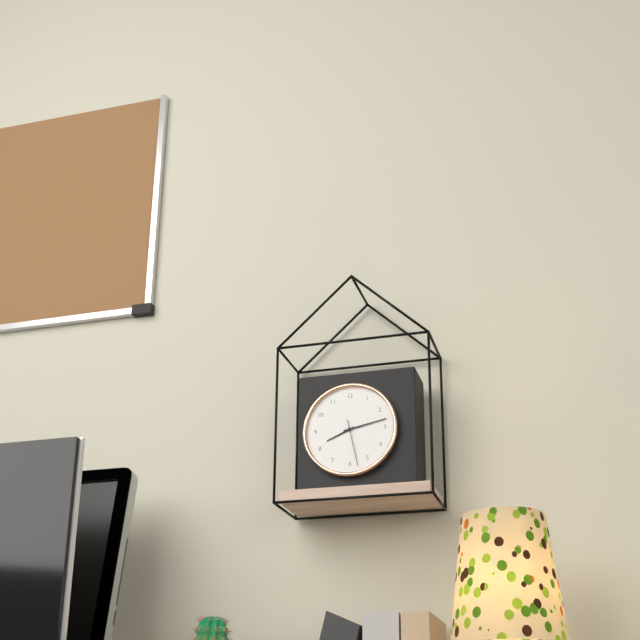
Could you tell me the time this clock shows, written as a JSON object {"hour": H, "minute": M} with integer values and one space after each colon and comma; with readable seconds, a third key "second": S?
{"hour": 8, "minute": 13}
